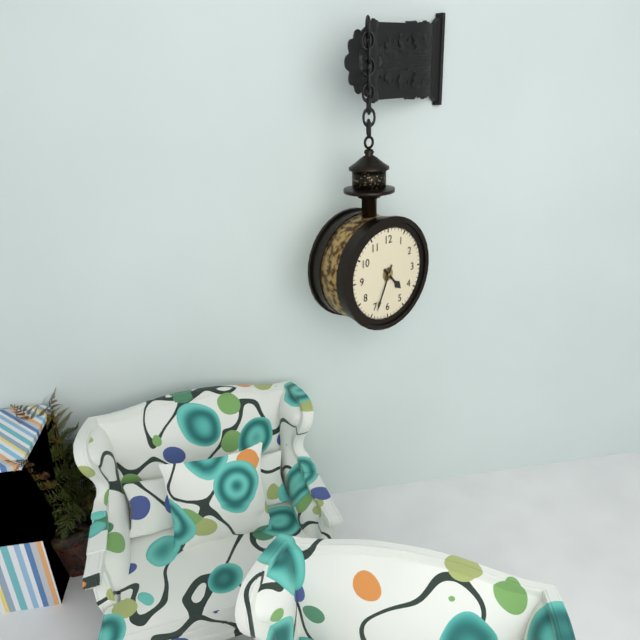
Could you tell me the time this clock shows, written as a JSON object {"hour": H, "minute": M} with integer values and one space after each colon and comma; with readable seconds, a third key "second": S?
{"hour": 4, "minute": 34}
